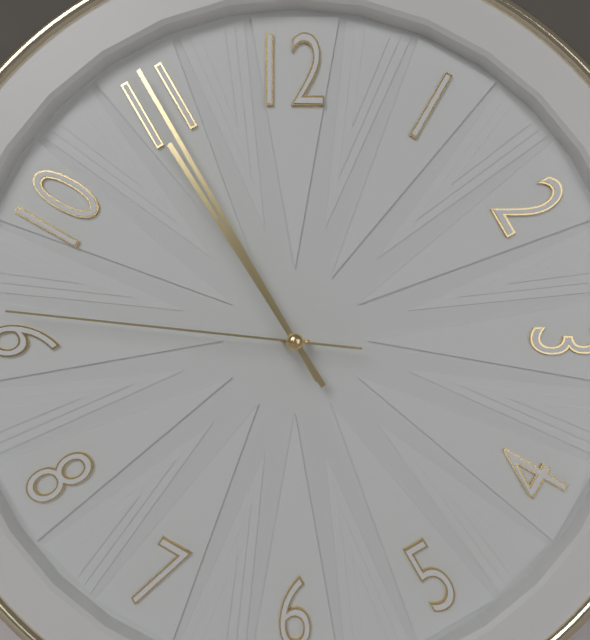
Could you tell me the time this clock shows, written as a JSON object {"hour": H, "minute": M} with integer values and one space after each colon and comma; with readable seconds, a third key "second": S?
{"hour": 10, "minute": 55, "second": 46}
